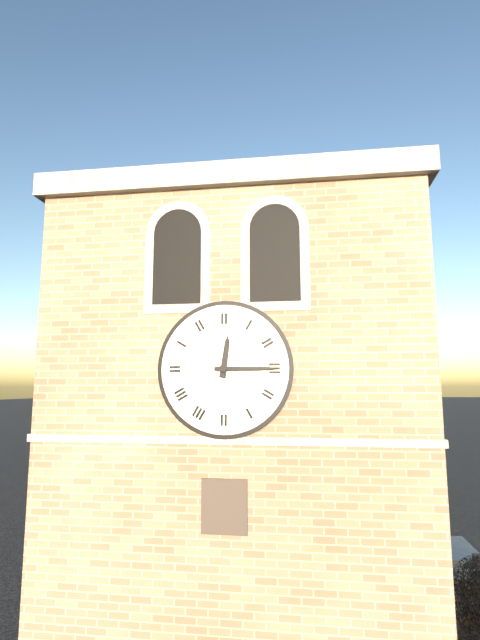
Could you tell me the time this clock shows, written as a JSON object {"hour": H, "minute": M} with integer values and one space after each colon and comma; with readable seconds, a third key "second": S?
{"hour": 12, "minute": 15}
